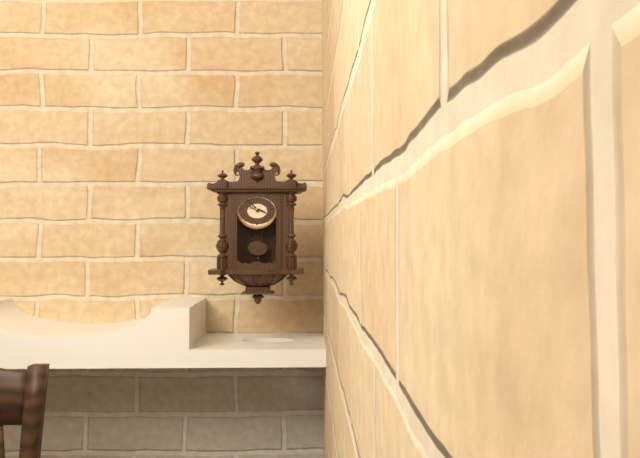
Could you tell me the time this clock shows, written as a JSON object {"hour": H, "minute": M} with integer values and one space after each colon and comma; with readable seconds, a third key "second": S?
{"hour": 3, "minute": 52}
